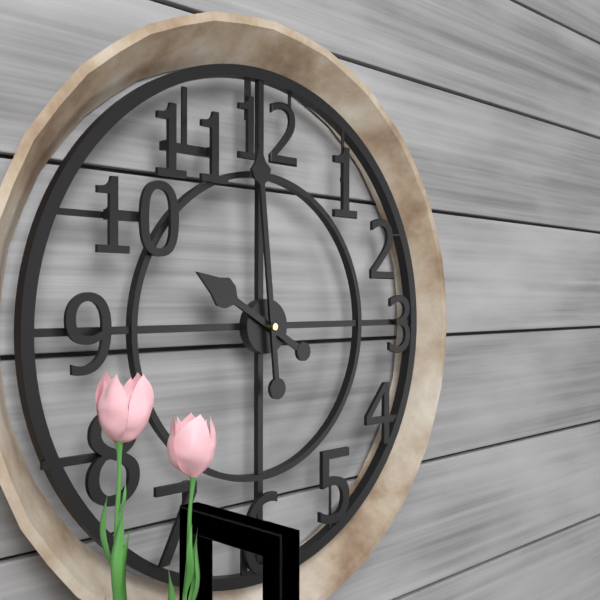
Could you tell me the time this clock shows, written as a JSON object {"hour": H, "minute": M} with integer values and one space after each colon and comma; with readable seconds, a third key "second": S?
{"hour": 9, "minute": 59}
